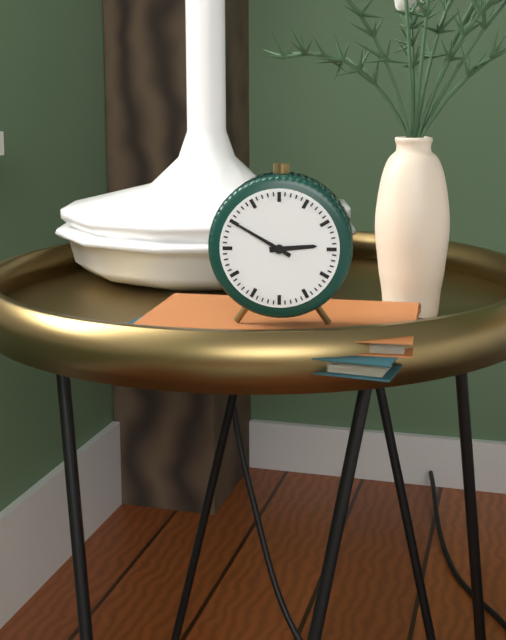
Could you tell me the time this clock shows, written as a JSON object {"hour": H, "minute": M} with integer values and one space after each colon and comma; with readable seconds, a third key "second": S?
{"hour": 2, "minute": 50}
